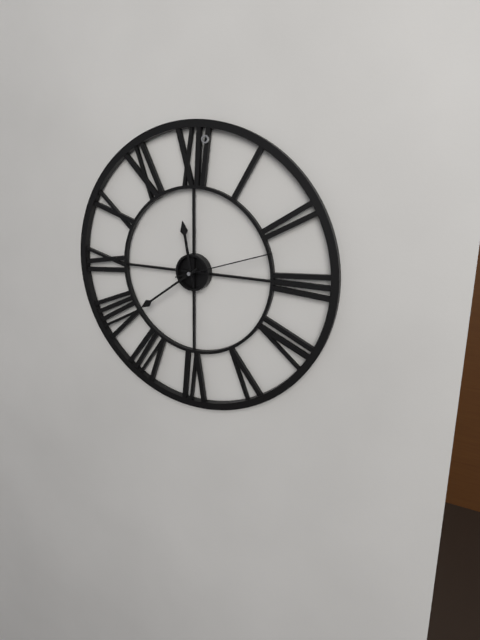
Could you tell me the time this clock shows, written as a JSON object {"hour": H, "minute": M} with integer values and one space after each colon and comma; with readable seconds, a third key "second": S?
{"hour": 11, "minute": 39, "second": 12}
